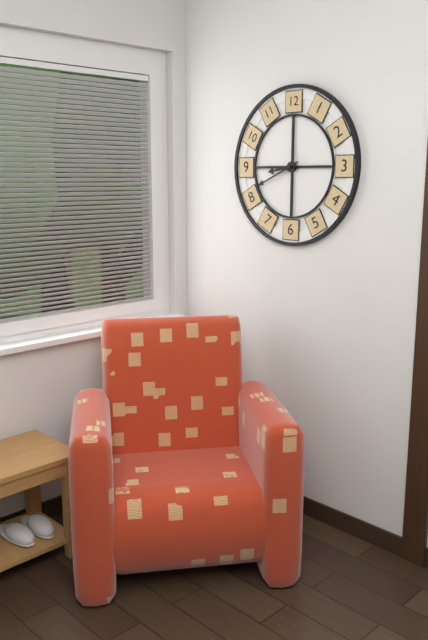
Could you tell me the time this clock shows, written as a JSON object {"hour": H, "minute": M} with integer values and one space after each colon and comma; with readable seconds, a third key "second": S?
{"hour": 8, "minute": 41}
